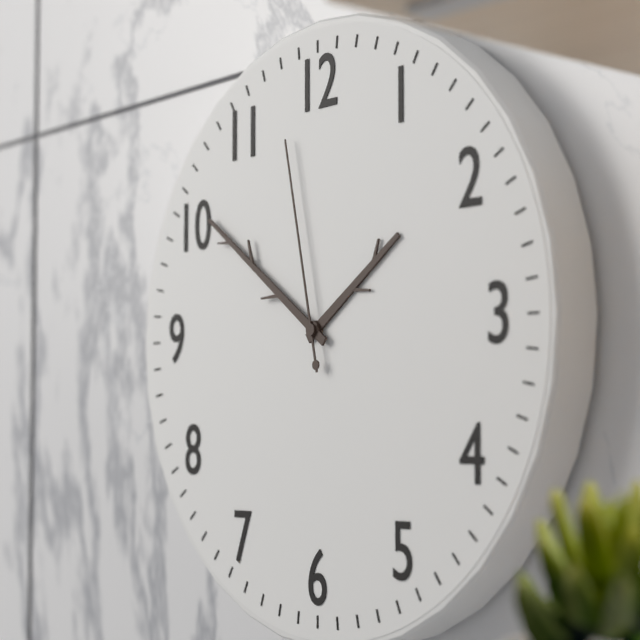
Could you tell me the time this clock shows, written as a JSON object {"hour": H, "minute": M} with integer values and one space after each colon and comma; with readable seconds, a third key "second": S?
{"hour": 1, "minute": 51, "second": 58}
